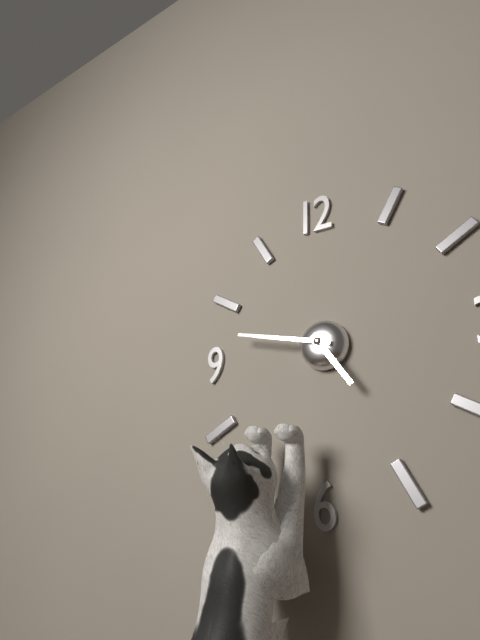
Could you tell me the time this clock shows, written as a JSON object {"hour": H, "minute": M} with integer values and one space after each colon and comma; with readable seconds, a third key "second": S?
{"hour": 4, "minute": 47}
